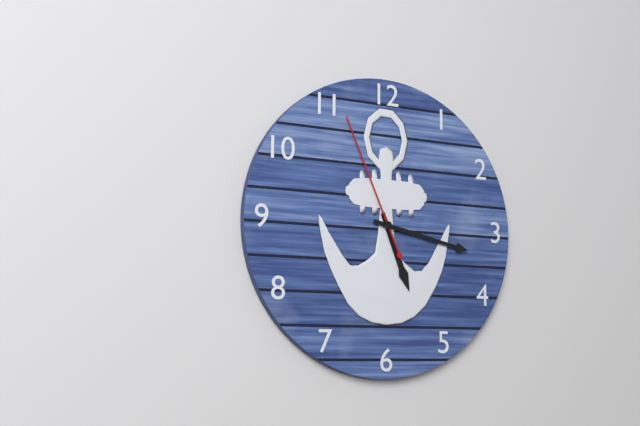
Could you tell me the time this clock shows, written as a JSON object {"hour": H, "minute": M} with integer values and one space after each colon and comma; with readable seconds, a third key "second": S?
{"hour": 5, "minute": 17, "second": 56}
